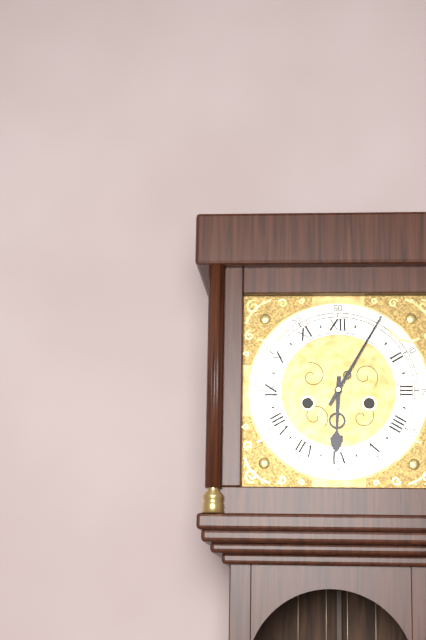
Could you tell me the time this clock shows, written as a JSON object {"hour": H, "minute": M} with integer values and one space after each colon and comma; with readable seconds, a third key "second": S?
{"hour": 6, "minute": 5}
